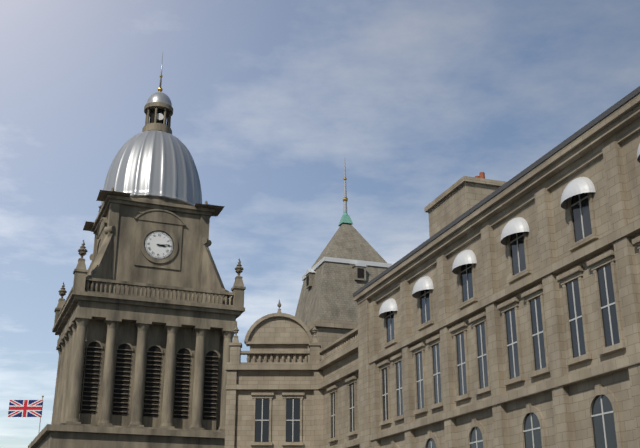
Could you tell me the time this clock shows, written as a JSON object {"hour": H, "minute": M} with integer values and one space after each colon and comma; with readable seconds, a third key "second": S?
{"hour": 3, "minute": 14}
